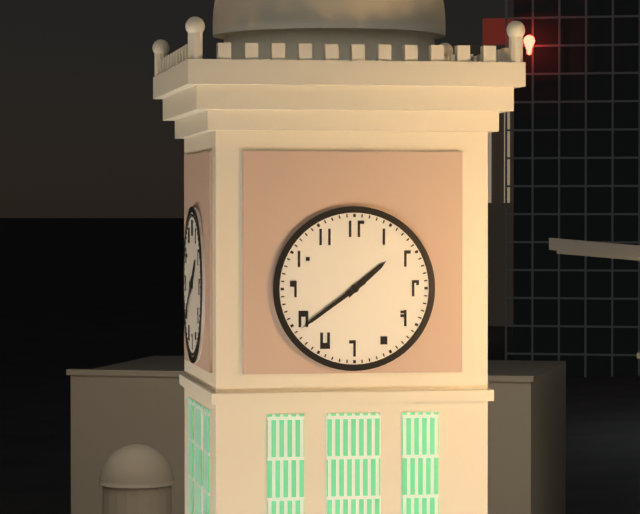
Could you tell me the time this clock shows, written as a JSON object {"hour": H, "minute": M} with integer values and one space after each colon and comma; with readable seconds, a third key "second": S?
{"hour": 1, "minute": 39}
